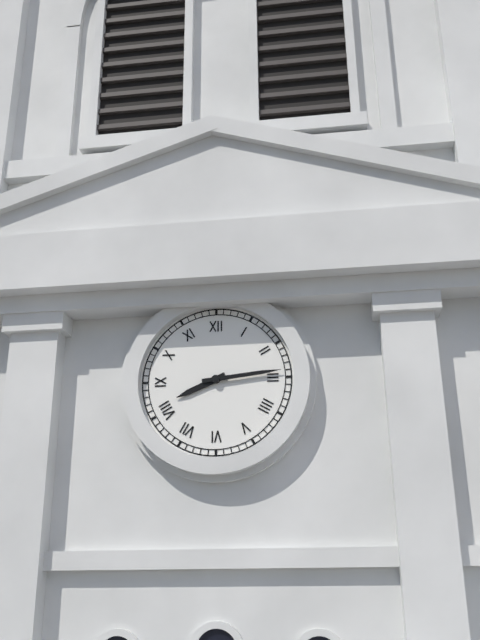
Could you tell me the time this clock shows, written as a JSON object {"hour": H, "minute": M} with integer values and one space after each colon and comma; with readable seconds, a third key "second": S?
{"hour": 8, "minute": 14}
